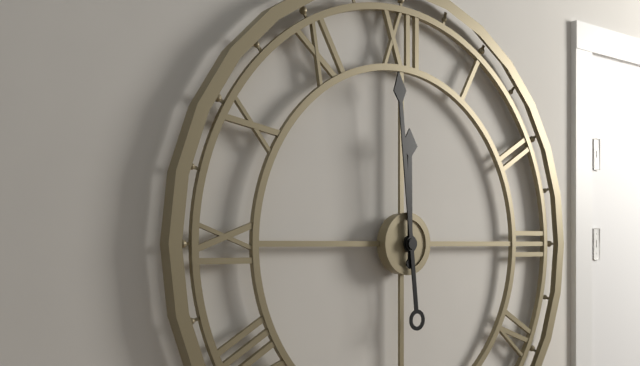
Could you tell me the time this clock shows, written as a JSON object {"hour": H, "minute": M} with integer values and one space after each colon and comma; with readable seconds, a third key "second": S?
{"hour": 11, "minute": 59}
